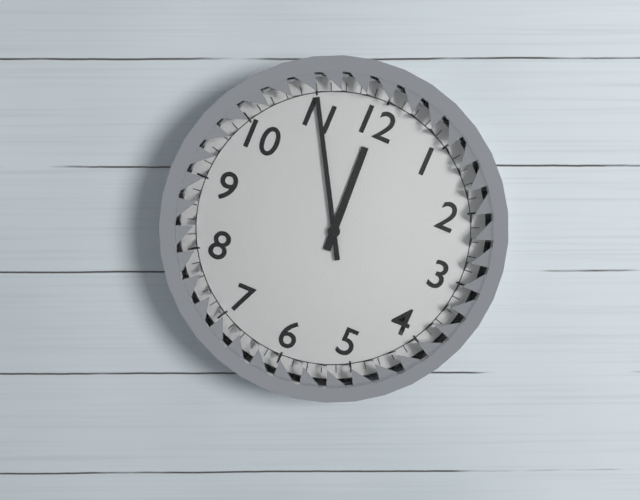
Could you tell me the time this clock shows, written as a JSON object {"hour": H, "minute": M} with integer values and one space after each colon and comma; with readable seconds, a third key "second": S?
{"hour": 11, "minute": 55}
